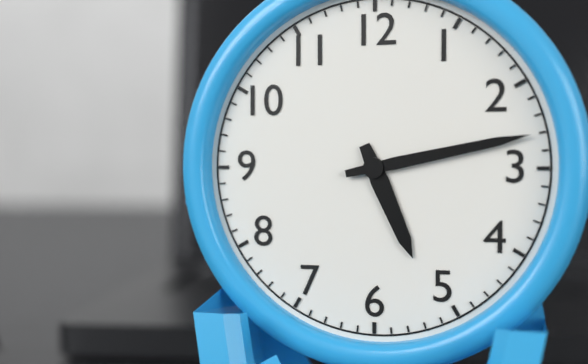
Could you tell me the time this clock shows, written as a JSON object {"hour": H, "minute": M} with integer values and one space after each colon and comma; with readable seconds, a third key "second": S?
{"hour": 5, "minute": 13}
